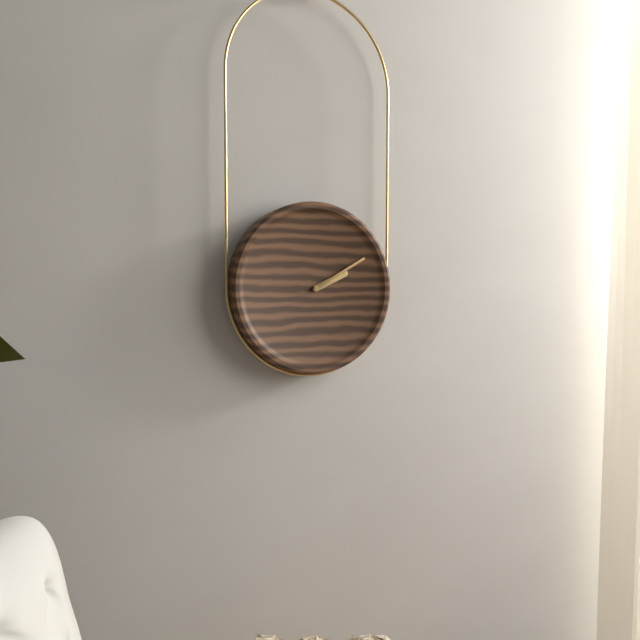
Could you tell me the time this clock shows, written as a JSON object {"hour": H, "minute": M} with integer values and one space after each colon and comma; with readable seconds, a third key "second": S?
{"hour": 2, "minute": 10}
